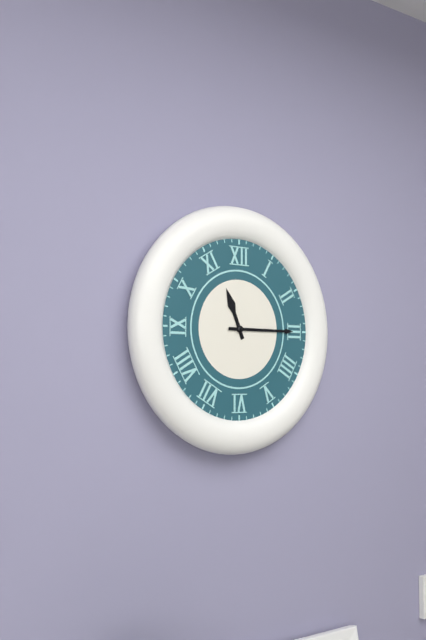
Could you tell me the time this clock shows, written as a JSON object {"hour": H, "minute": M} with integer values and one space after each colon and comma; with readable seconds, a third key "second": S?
{"hour": 11, "minute": 15}
